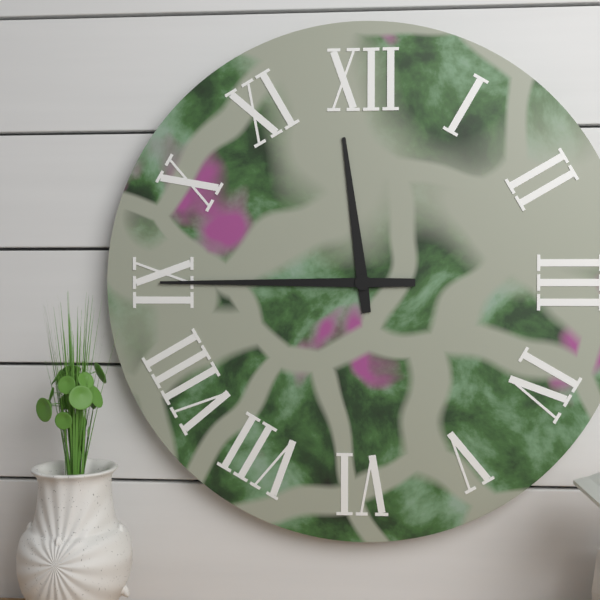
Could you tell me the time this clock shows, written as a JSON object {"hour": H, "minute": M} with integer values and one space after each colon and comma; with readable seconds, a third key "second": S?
{"hour": 11, "minute": 45}
